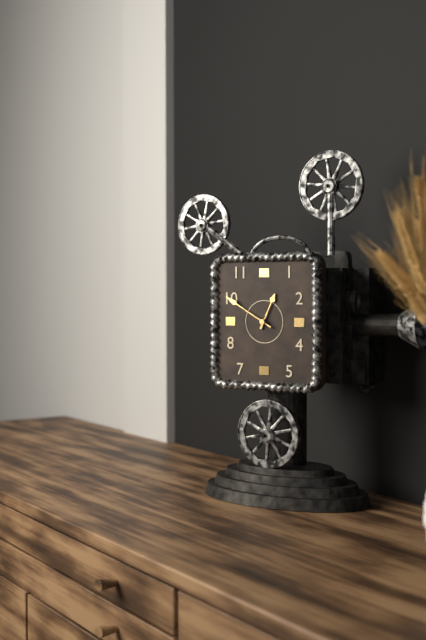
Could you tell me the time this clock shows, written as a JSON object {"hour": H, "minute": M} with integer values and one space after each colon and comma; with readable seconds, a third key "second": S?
{"hour": 12, "minute": 50}
